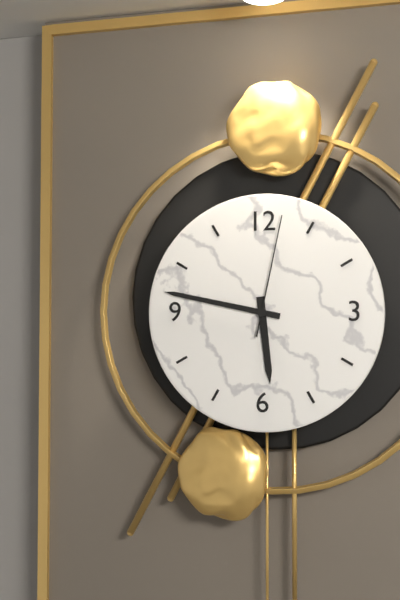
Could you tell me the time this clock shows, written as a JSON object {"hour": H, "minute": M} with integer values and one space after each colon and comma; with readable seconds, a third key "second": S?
{"hour": 5, "minute": 47, "second": 2}
